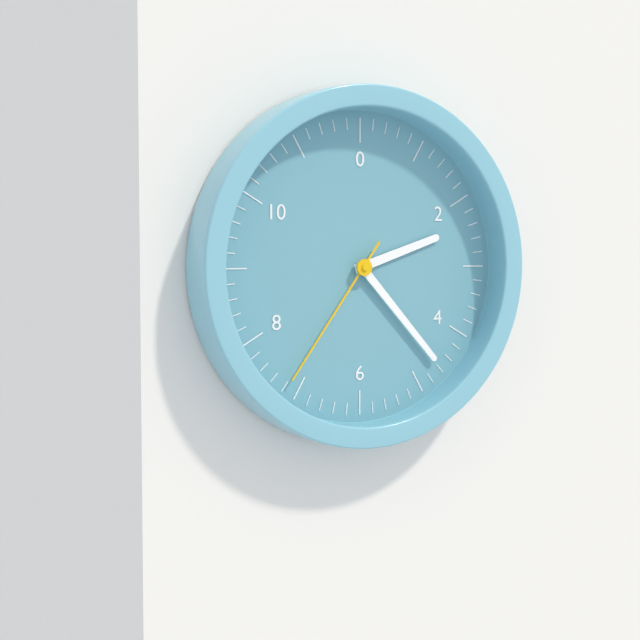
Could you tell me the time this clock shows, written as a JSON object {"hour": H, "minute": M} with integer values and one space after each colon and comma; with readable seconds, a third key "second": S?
{"hour": 2, "minute": 23, "second": 36}
